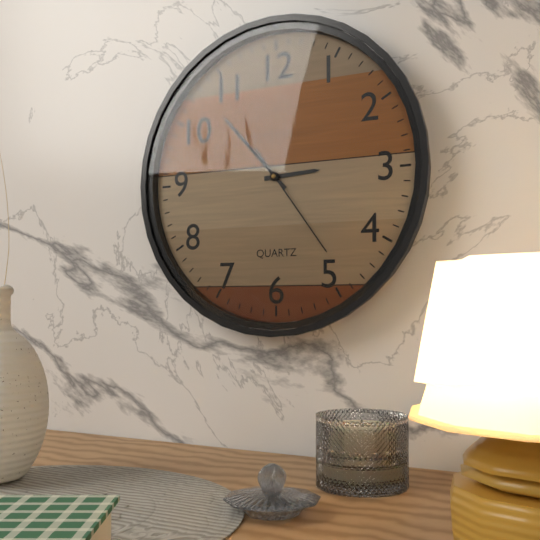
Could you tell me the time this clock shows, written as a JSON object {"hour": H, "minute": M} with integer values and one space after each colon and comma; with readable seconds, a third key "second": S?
{"hour": 2, "minute": 53, "second": 24}
